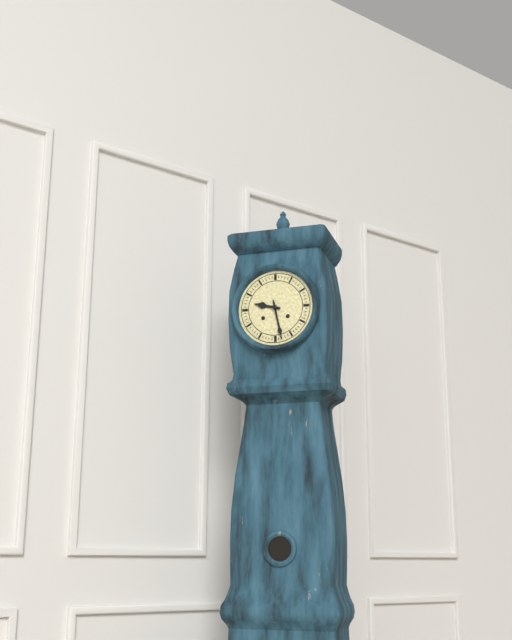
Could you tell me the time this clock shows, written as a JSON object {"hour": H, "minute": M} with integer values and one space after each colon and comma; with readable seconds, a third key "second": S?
{"hour": 9, "minute": 28}
